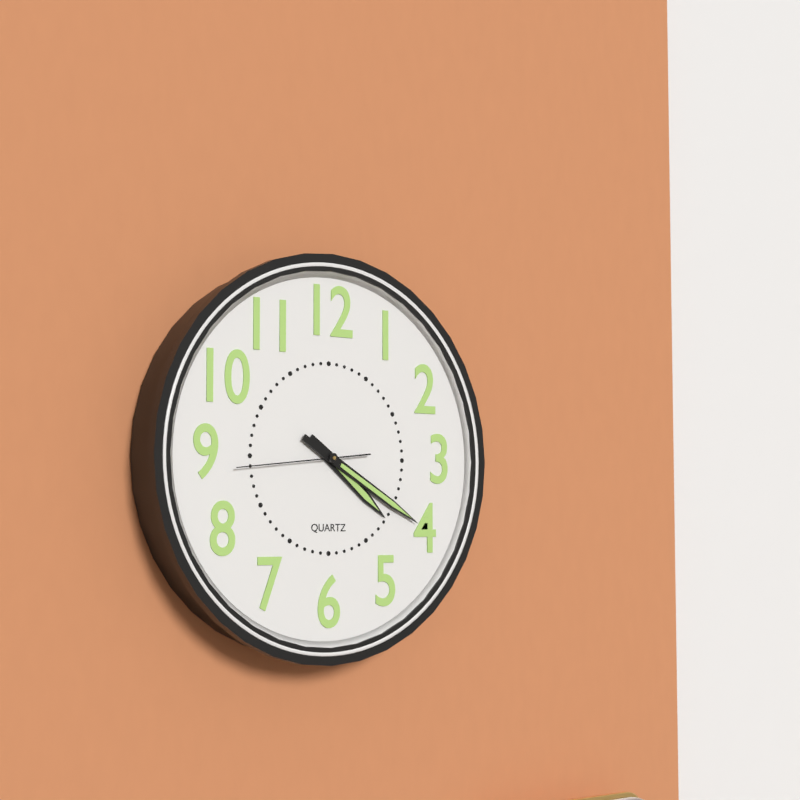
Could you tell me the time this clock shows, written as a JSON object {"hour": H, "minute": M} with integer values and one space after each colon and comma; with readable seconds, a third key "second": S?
{"hour": 4, "minute": 20, "second": 44}
